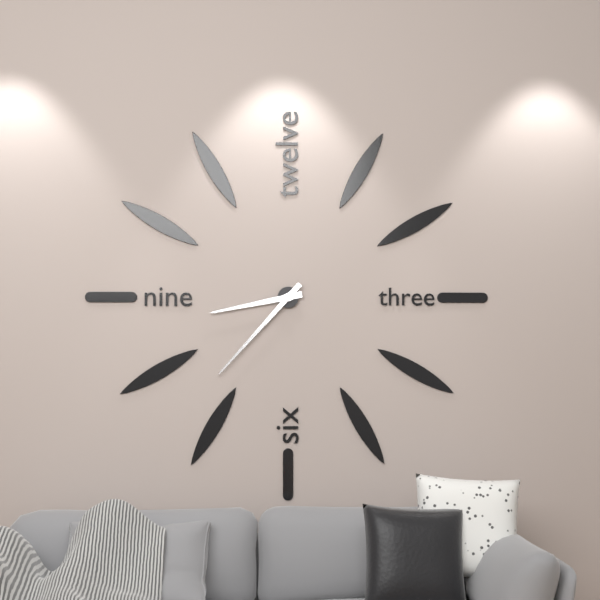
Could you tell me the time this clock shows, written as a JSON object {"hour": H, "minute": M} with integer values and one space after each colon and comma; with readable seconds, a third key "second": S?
{"hour": 8, "minute": 37}
